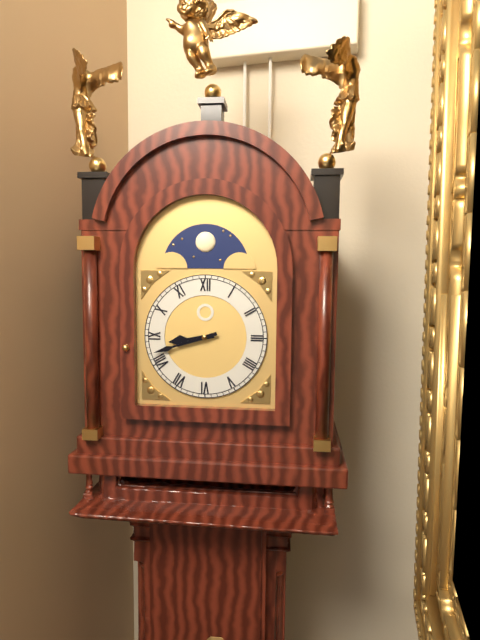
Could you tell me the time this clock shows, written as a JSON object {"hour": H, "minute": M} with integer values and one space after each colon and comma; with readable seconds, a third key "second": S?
{"hour": 8, "minute": 42}
